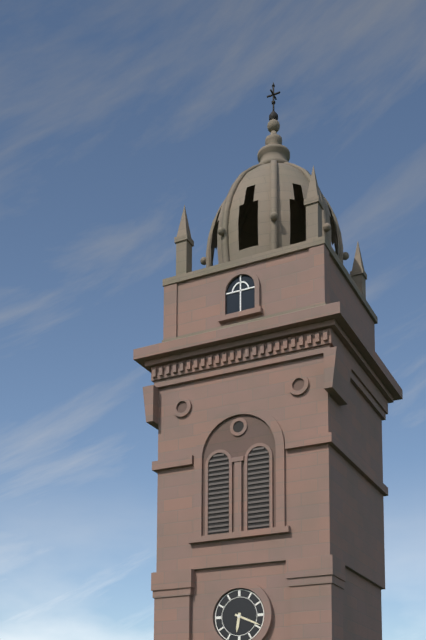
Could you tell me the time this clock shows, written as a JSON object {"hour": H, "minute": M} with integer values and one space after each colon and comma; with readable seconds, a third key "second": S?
{"hour": 6, "minute": 19}
